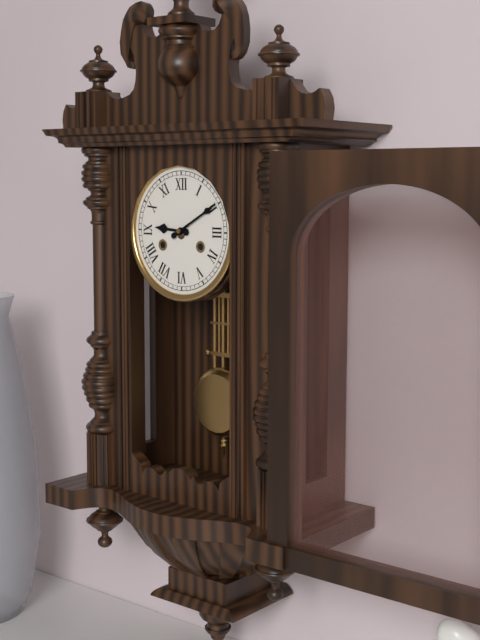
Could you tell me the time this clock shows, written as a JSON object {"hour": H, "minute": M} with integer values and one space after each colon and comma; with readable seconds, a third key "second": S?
{"hour": 9, "minute": 10}
